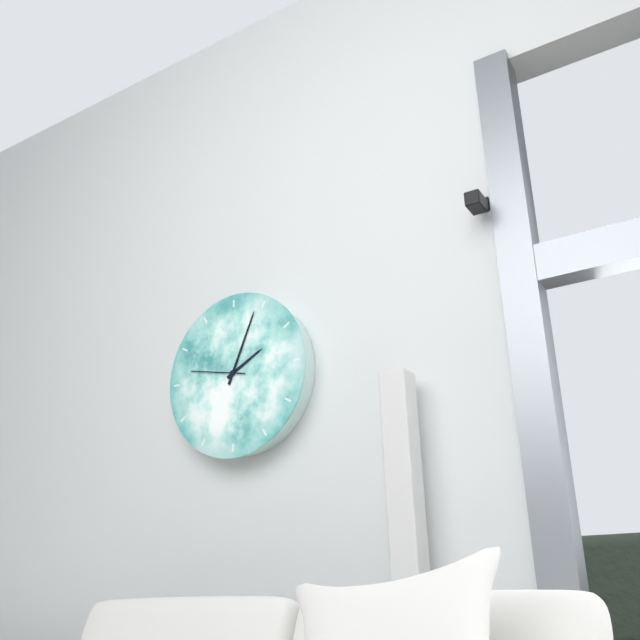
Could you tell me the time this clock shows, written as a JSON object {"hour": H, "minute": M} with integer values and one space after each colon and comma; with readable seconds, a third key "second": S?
{"hour": 2, "minute": 4, "second": 47}
